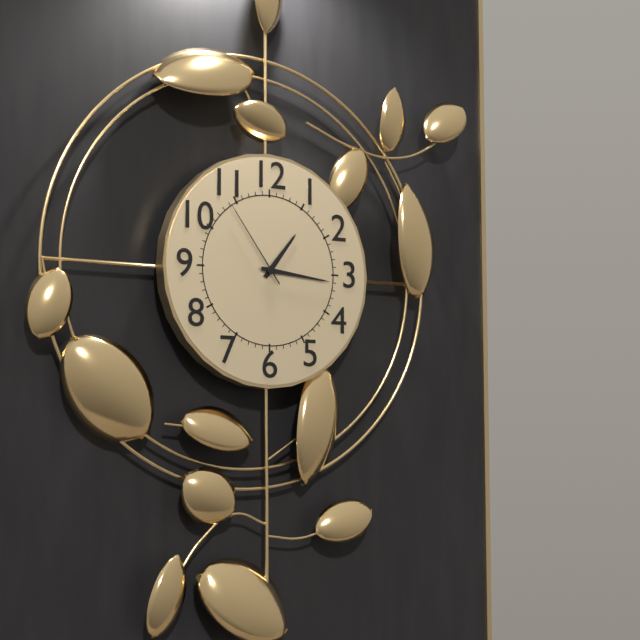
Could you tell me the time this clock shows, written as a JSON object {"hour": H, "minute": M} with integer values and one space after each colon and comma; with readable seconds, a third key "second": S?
{"hour": 1, "minute": 16, "second": 54}
